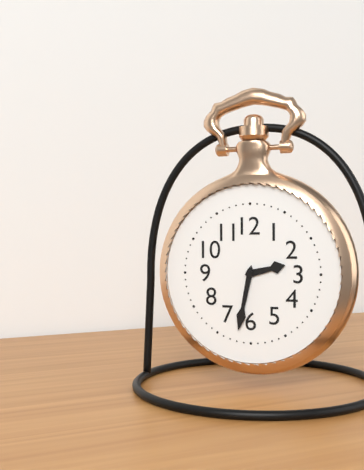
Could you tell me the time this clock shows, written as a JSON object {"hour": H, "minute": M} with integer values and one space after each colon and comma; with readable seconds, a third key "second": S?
{"hour": 2, "minute": 32}
